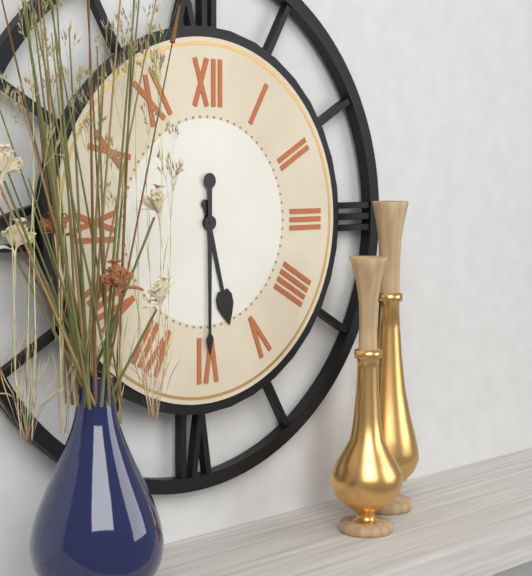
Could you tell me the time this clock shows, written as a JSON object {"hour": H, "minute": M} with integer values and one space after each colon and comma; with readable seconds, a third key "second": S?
{"hour": 5, "minute": 30}
